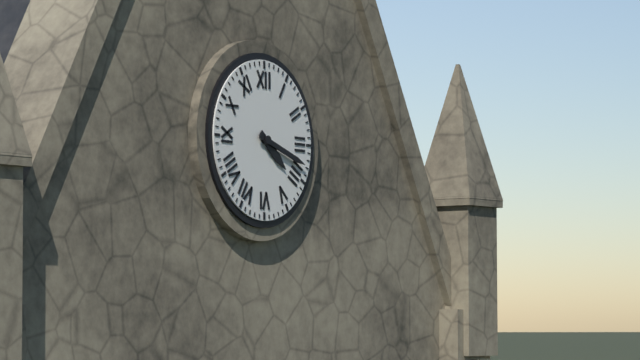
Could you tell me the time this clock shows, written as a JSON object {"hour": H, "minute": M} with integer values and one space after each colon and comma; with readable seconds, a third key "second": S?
{"hour": 4, "minute": 18}
